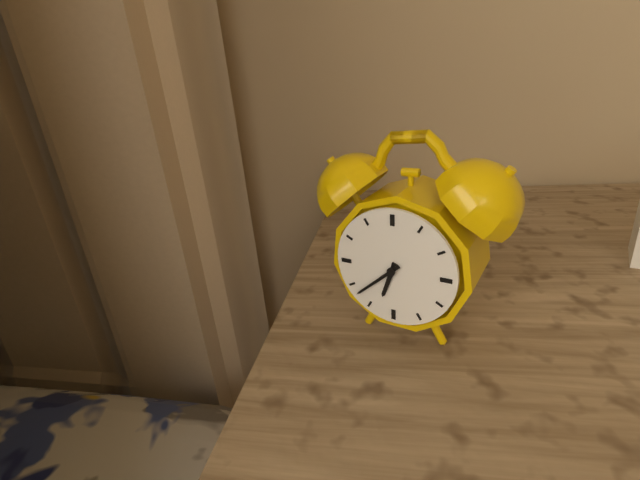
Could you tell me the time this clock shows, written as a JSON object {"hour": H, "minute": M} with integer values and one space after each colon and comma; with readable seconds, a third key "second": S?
{"hour": 6, "minute": 38}
